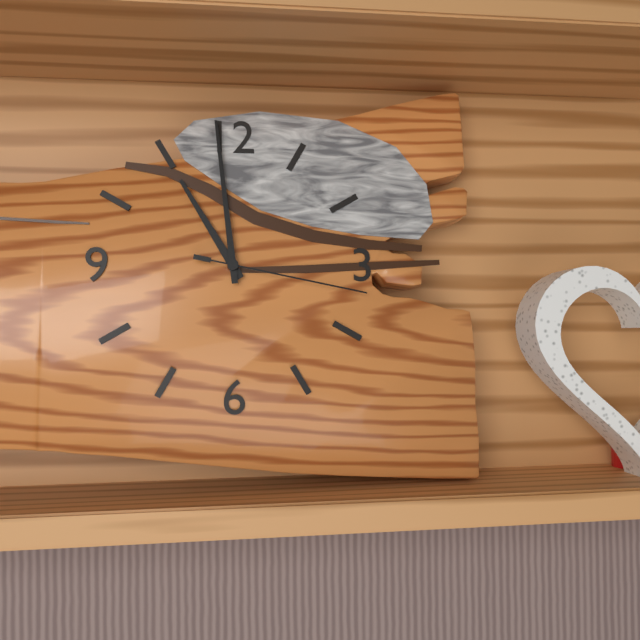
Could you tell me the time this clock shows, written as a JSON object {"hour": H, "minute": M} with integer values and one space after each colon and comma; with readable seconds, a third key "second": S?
{"hour": 10, "minute": 59, "second": 17}
